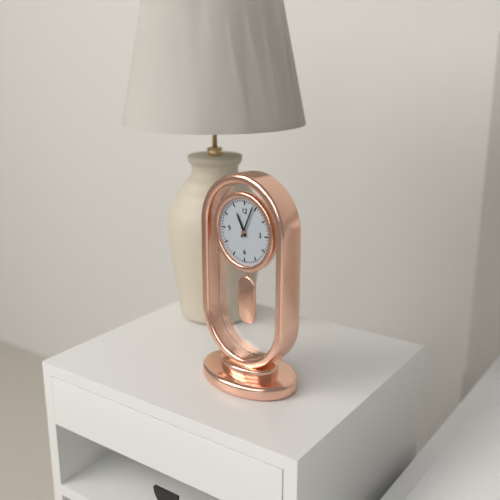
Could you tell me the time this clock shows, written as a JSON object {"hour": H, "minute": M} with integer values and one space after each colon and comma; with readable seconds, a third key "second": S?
{"hour": 11, "minute": 4}
